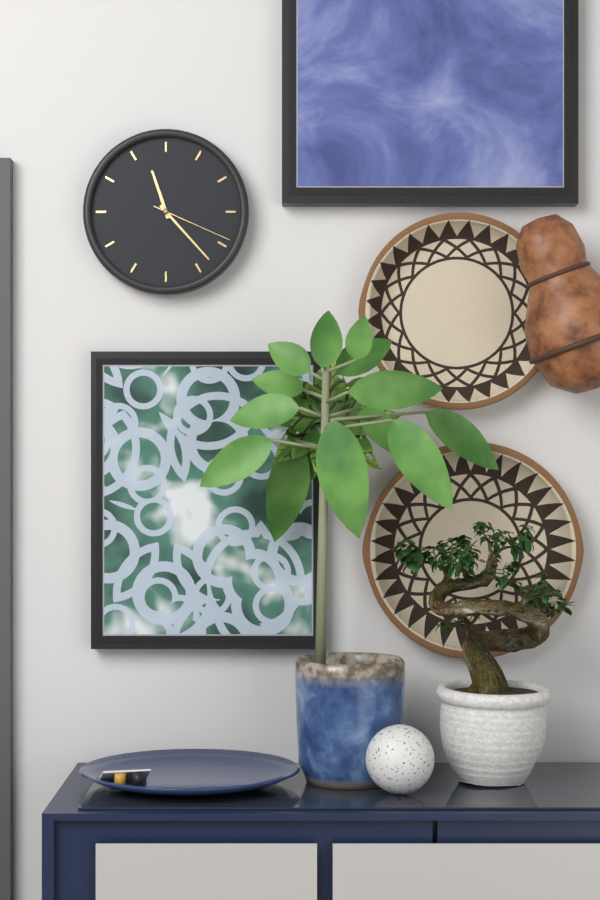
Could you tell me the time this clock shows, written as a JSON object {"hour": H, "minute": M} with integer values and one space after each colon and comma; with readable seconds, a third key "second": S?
{"hour": 11, "minute": 23, "second": 19}
